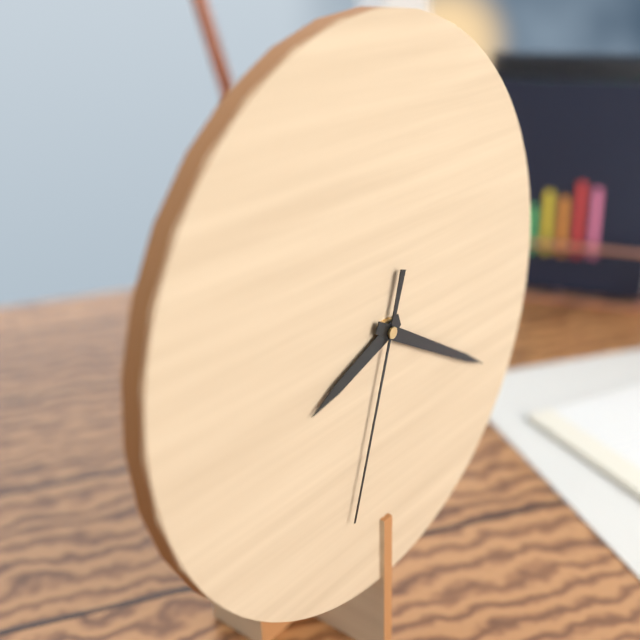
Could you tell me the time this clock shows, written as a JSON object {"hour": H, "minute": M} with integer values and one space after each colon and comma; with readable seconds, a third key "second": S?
{"hour": 8, "minute": 20, "second": 33}
